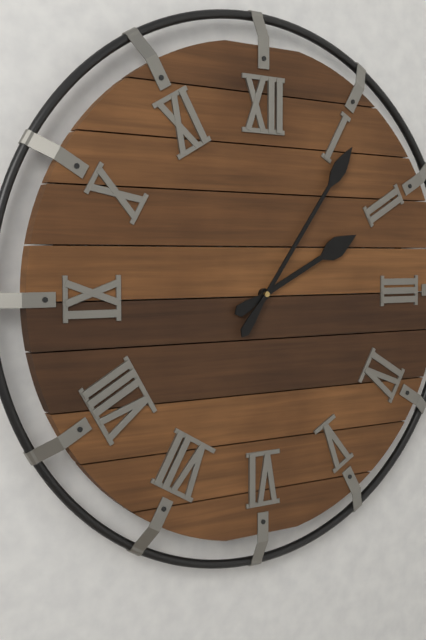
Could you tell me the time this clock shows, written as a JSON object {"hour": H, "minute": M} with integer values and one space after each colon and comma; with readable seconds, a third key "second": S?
{"hour": 2, "minute": 6}
